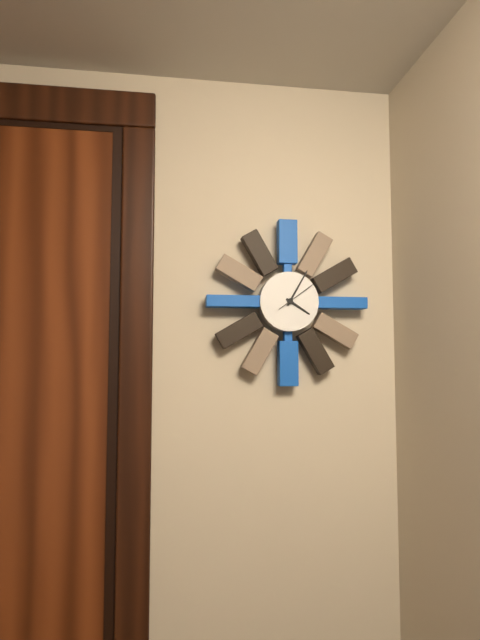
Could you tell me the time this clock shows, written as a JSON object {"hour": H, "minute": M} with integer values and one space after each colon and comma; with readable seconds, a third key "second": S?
{"hour": 4, "minute": 5}
